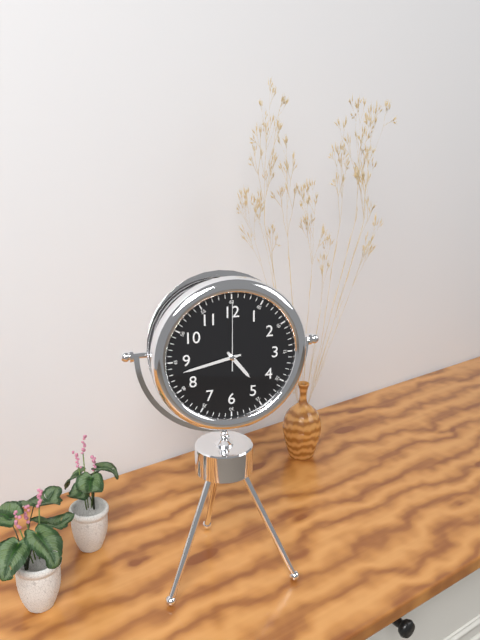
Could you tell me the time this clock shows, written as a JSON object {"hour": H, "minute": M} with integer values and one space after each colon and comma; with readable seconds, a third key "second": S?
{"hour": 4, "minute": 43, "second": 0}
